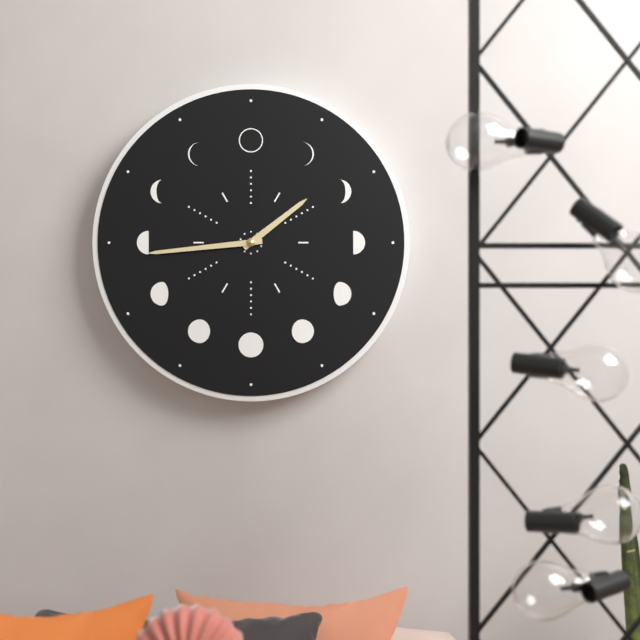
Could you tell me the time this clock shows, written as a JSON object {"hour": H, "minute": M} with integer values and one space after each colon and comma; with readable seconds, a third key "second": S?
{"hour": 1, "minute": 44}
